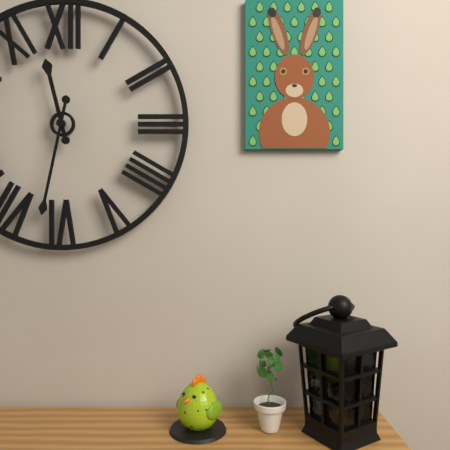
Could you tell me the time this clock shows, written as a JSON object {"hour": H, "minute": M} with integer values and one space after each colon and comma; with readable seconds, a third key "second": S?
{"hour": 11, "minute": 32}
